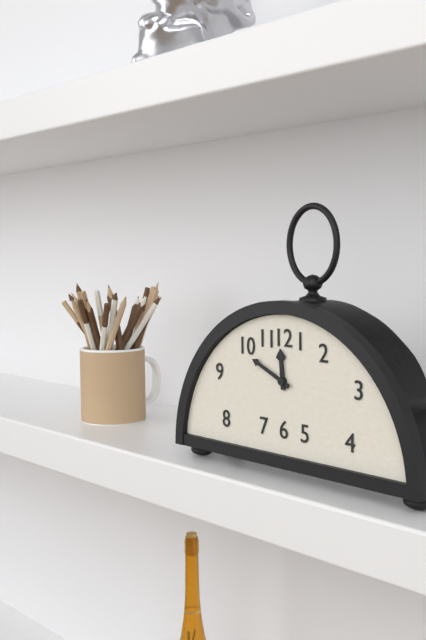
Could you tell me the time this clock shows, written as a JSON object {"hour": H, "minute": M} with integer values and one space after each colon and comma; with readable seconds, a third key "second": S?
{"hour": 11, "minute": 49}
